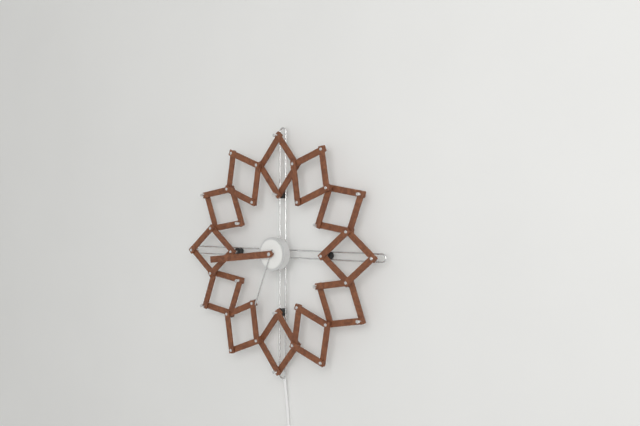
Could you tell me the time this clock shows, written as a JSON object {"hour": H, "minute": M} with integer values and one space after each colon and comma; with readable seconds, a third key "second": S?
{"hour": 6, "minute": 44}
